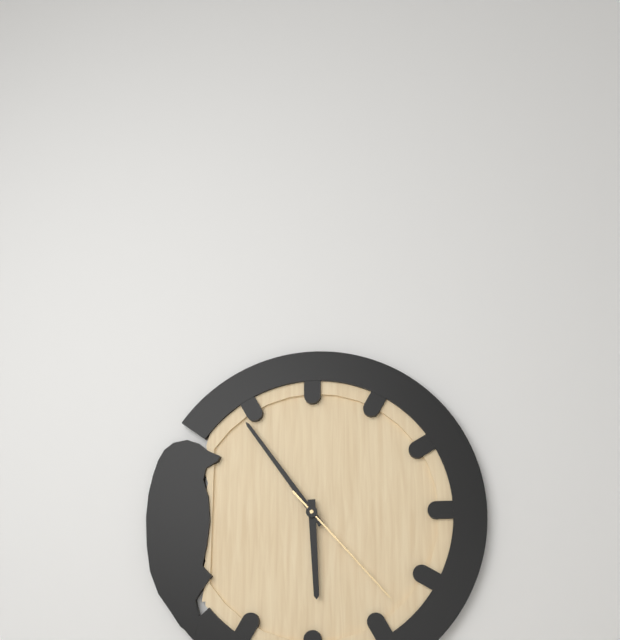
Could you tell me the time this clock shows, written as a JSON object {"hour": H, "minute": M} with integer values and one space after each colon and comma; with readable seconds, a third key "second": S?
{"hour": 5, "minute": 54, "second": 23}
